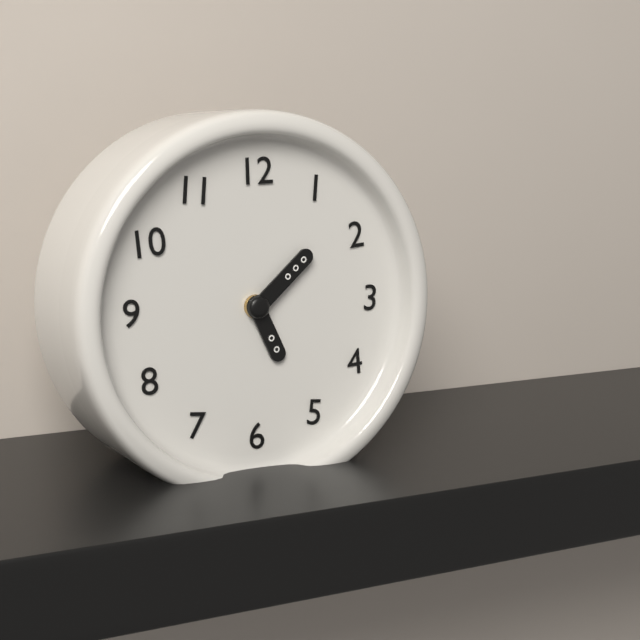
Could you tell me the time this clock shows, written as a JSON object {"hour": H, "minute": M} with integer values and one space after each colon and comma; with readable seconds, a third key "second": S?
{"hour": 5, "minute": 8}
